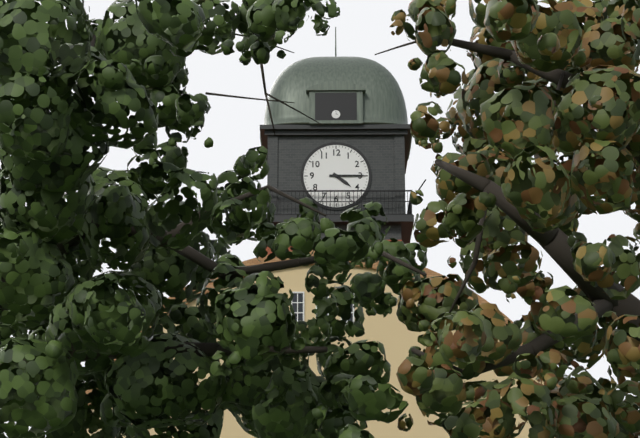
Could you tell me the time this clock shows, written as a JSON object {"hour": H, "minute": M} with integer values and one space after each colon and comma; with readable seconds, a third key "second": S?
{"hour": 4, "minute": 15}
